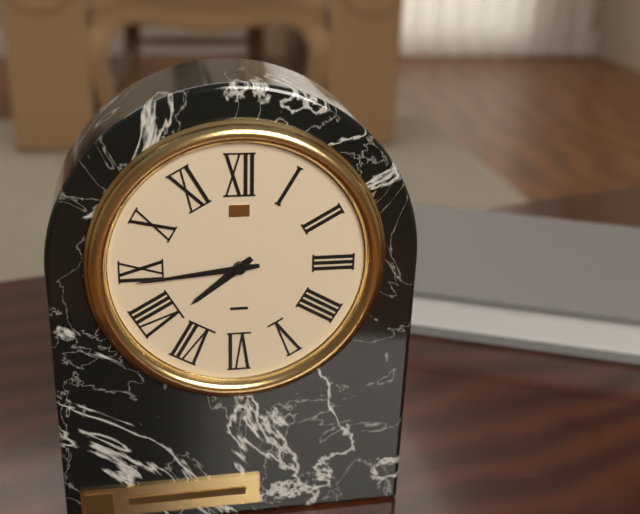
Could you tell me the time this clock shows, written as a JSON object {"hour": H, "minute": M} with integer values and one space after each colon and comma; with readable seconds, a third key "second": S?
{"hour": 7, "minute": 44}
